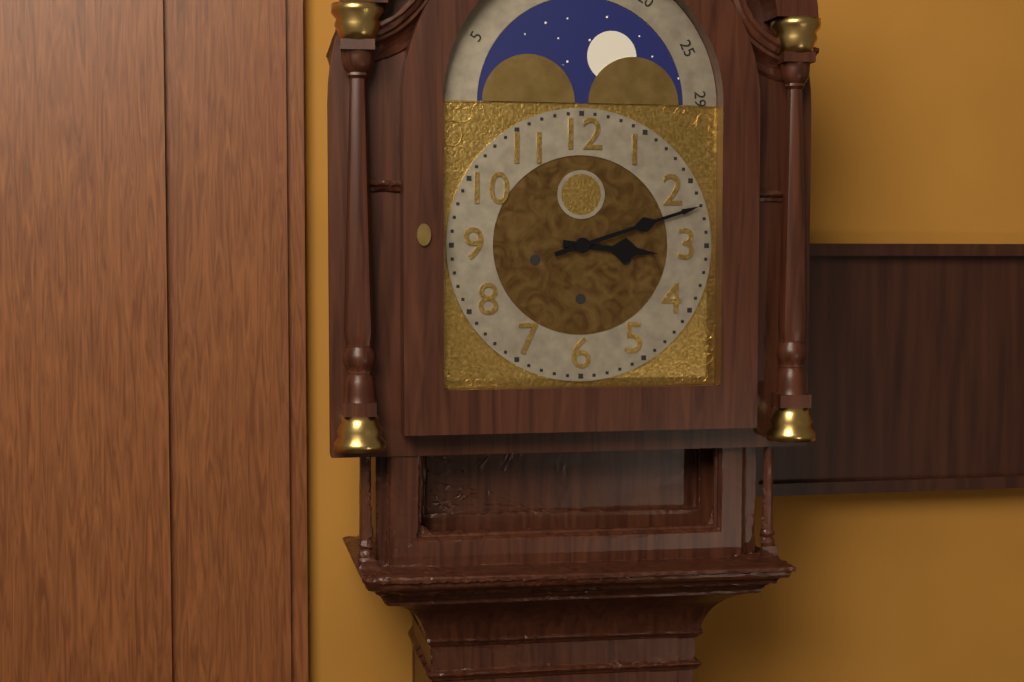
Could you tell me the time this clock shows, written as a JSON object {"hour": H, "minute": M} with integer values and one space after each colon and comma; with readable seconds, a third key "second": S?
{"hour": 3, "minute": 12}
